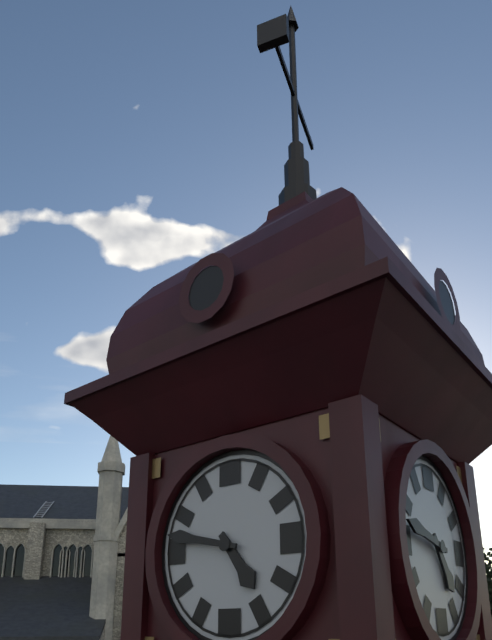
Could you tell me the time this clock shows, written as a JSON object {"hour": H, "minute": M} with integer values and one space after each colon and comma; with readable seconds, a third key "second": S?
{"hour": 4, "minute": 47}
